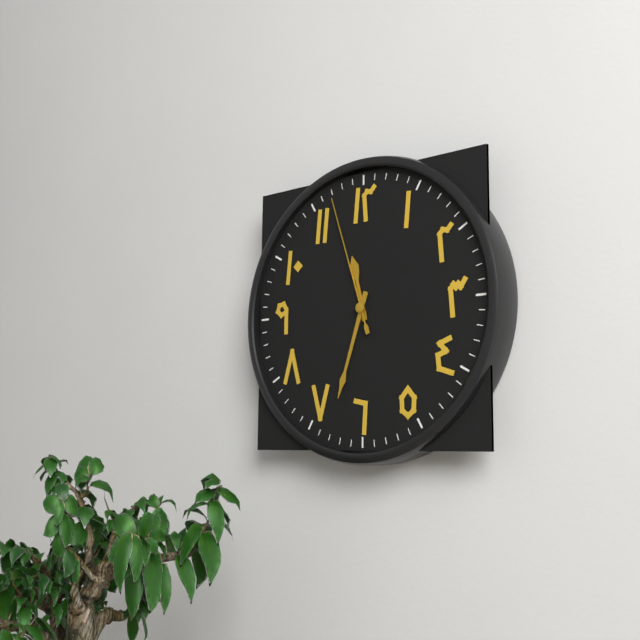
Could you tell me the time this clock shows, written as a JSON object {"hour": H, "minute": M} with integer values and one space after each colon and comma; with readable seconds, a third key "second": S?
{"hour": 11, "minute": 33, "second": 57}
